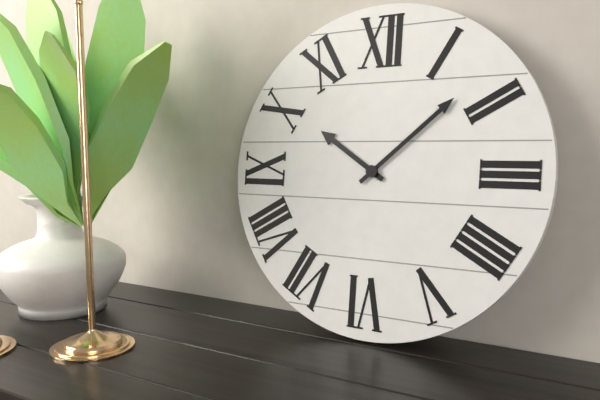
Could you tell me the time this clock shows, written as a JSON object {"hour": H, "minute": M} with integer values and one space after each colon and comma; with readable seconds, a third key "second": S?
{"hour": 10, "minute": 8}
